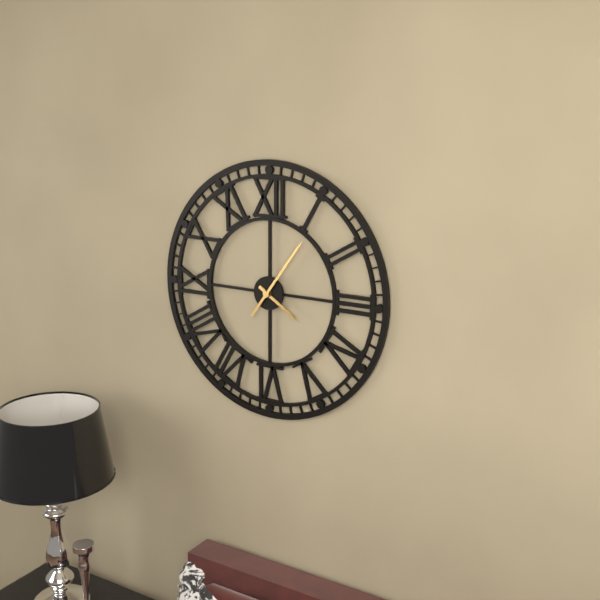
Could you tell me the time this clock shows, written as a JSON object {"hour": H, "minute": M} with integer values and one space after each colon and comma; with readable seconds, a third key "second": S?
{"hour": 4, "minute": 6}
